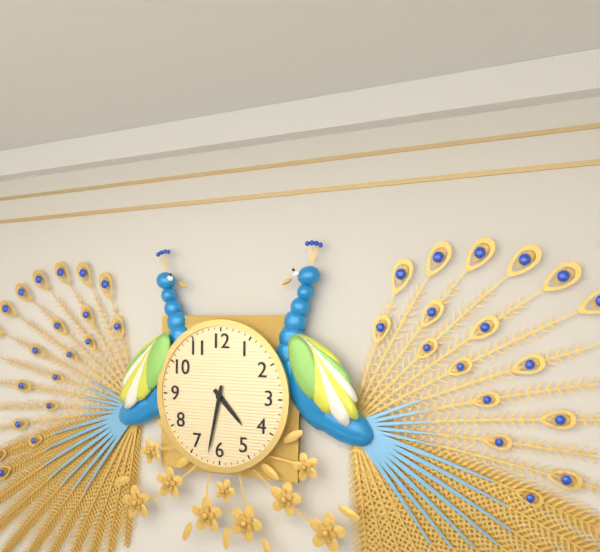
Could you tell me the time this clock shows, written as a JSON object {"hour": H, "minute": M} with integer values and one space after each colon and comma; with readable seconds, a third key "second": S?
{"hour": 4, "minute": 32}
